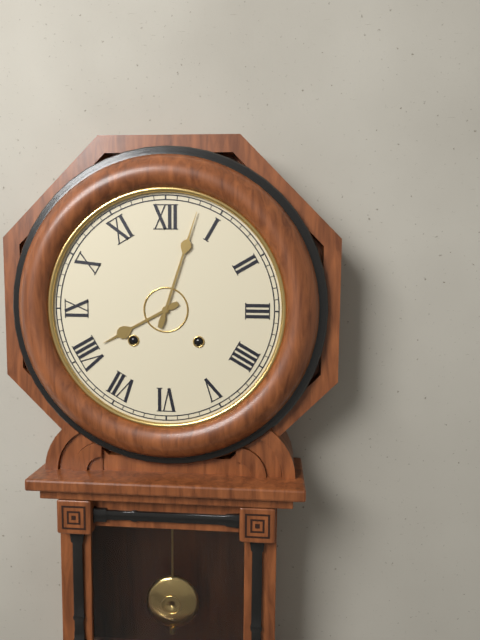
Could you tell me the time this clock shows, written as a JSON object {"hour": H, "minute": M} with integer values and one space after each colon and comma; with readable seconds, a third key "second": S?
{"hour": 8, "minute": 3}
